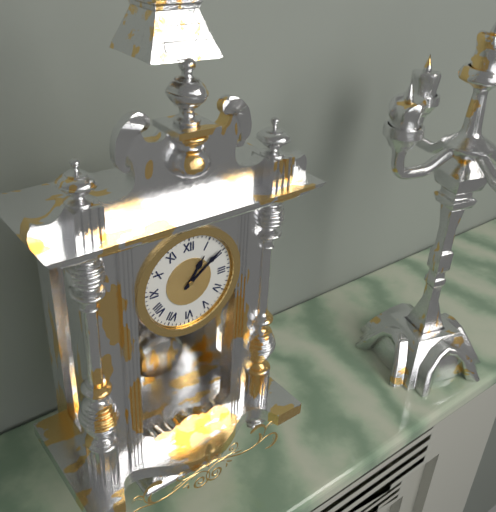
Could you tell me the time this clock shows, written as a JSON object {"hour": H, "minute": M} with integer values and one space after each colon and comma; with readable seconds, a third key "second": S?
{"hour": 1, "minute": 9}
